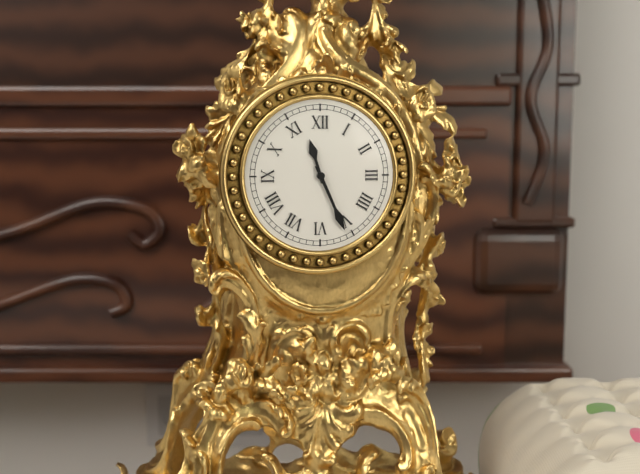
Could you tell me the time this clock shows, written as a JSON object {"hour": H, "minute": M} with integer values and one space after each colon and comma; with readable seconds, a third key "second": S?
{"hour": 11, "minute": 26}
